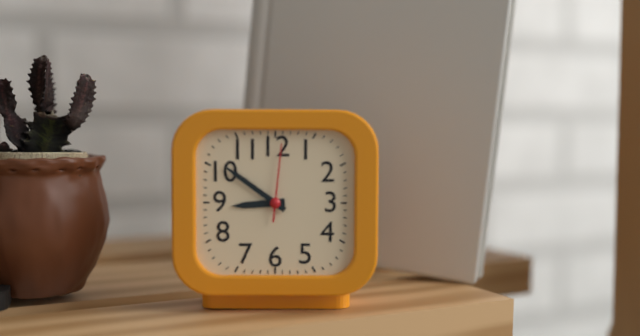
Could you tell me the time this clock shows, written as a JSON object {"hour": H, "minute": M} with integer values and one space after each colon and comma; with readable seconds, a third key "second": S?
{"hour": 8, "minute": 51, "second": 1}
